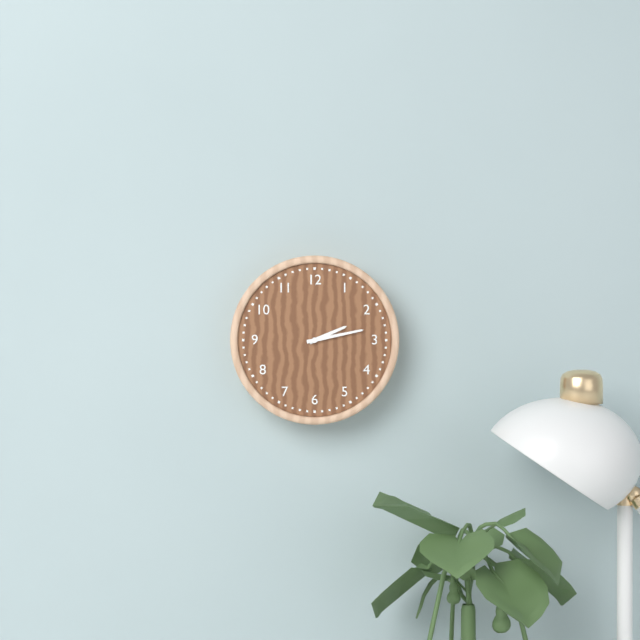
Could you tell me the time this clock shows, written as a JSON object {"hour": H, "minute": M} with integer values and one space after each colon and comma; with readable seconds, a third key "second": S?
{"hour": 2, "minute": 13}
